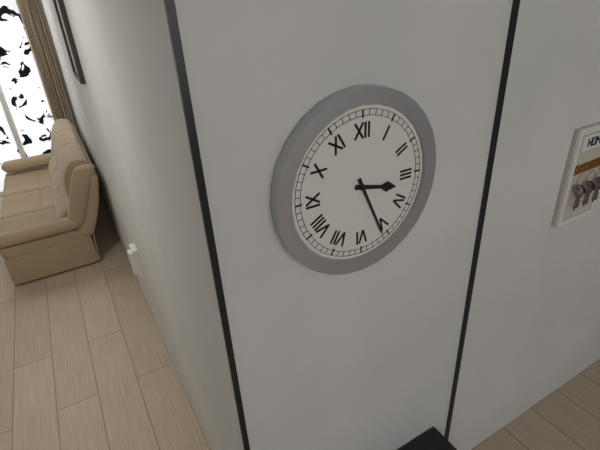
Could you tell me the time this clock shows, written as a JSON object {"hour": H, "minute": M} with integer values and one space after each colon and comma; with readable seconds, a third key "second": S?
{"hour": 3, "minute": 26}
